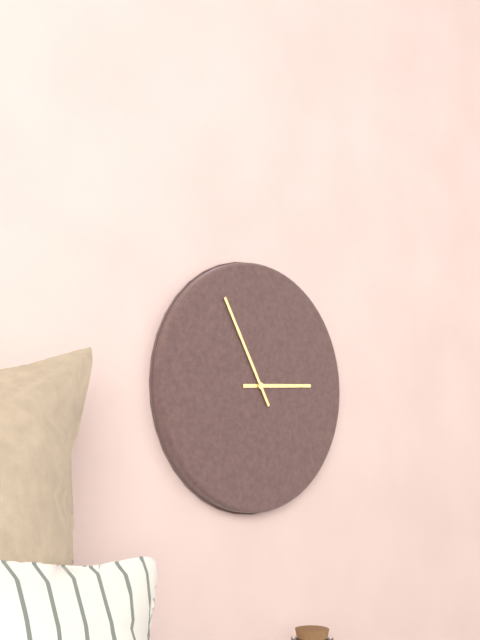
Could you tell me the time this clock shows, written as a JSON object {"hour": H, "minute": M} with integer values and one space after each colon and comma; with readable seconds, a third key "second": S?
{"hour": 2, "minute": 55}
